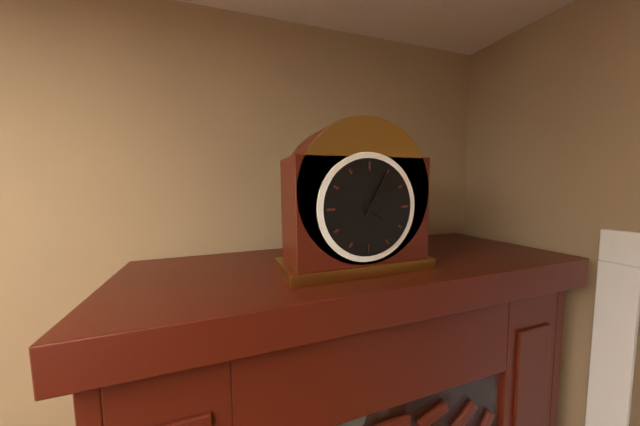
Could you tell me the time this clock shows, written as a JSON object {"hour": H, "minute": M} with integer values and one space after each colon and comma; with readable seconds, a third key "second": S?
{"hour": 4, "minute": 5}
